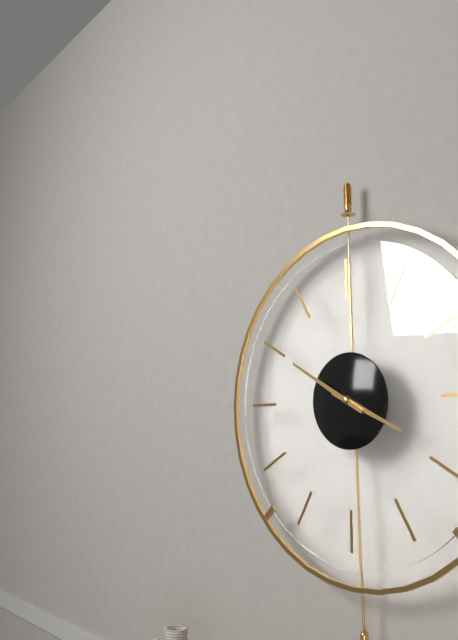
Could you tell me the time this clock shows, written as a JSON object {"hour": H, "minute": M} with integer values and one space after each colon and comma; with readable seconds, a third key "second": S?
{"hour": 3, "minute": 50}
